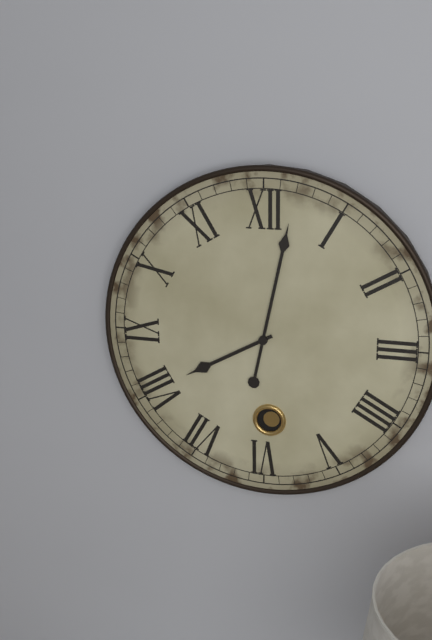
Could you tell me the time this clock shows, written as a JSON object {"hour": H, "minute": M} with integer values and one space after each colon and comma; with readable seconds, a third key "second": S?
{"hour": 8, "minute": 2}
